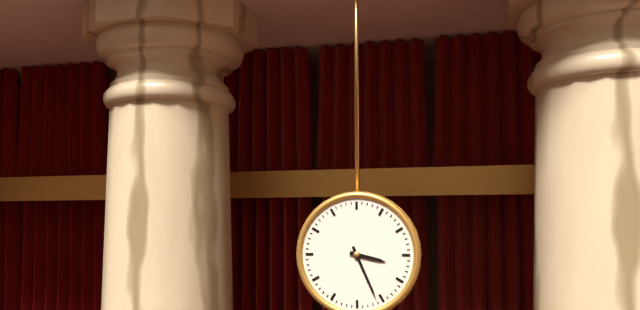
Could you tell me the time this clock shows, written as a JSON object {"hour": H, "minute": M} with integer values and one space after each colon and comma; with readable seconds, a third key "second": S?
{"hour": 3, "minute": 26}
